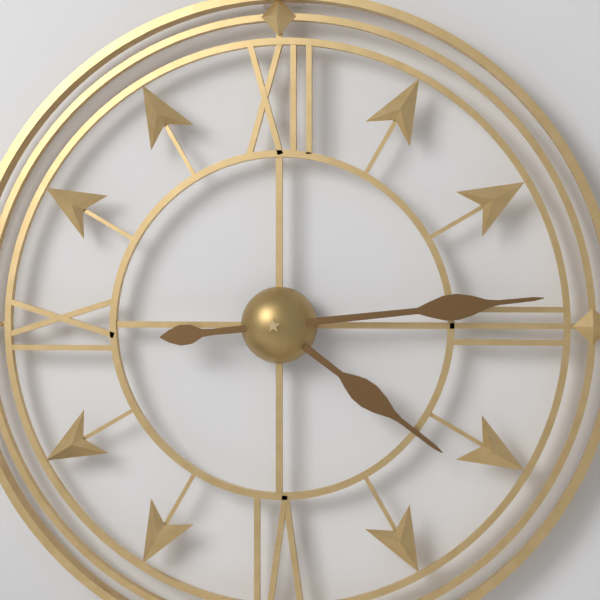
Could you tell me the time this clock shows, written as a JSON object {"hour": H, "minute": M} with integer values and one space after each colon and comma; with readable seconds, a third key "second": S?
{"hour": 4, "minute": 14}
